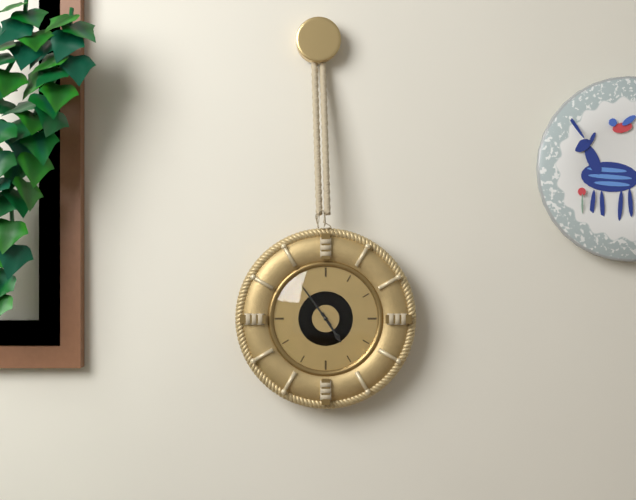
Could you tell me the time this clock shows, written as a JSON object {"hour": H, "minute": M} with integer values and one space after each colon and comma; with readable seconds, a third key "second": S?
{"hour": 4, "minute": 54}
